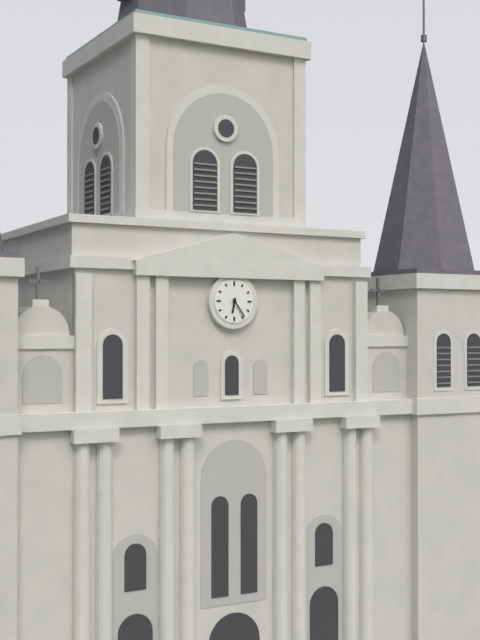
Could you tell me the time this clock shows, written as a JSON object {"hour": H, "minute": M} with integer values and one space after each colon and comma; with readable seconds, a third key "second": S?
{"hour": 6, "minute": 24}
